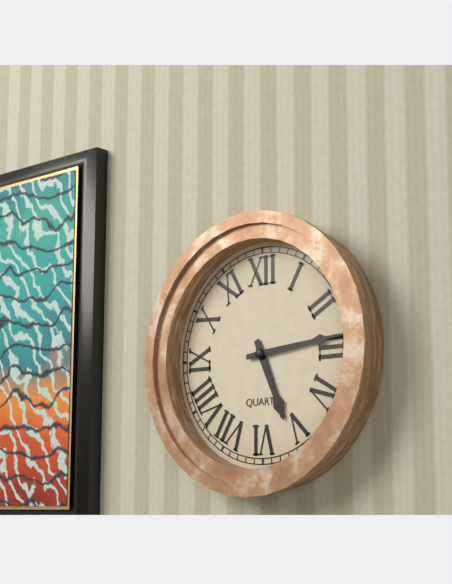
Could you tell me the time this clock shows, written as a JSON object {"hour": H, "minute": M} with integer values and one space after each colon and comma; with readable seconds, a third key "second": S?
{"hour": 5, "minute": 14}
